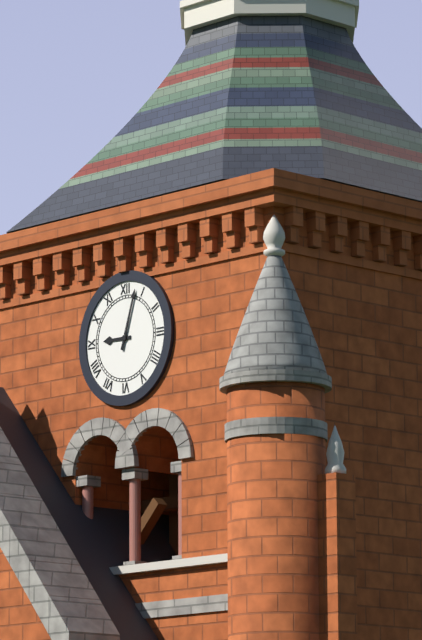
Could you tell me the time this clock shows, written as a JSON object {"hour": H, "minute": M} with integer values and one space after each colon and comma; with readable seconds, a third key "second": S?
{"hour": 9, "minute": 3}
